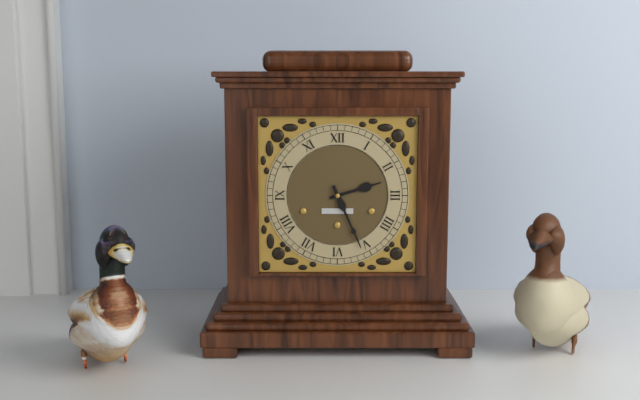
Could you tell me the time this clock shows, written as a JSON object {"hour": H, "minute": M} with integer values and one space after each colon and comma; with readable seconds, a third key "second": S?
{"hour": 2, "minute": 26}
